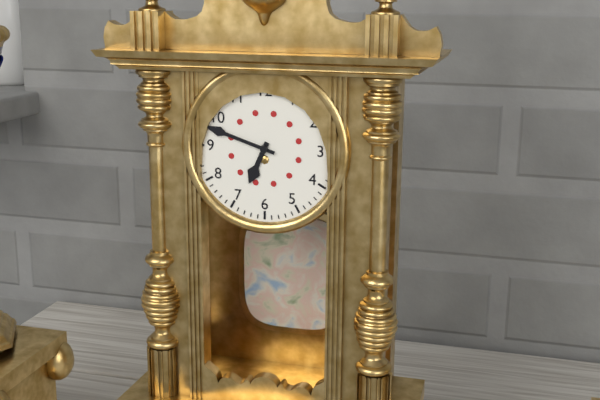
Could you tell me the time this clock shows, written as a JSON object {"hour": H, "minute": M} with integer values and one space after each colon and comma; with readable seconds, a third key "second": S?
{"hour": 6, "minute": 48}
